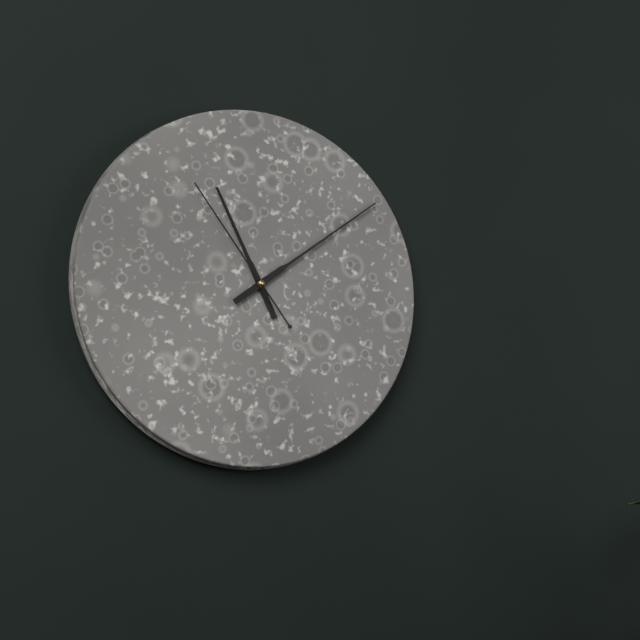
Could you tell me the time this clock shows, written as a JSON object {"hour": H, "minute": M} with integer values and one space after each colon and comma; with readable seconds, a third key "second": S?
{"hour": 11, "minute": 9, "second": 54}
